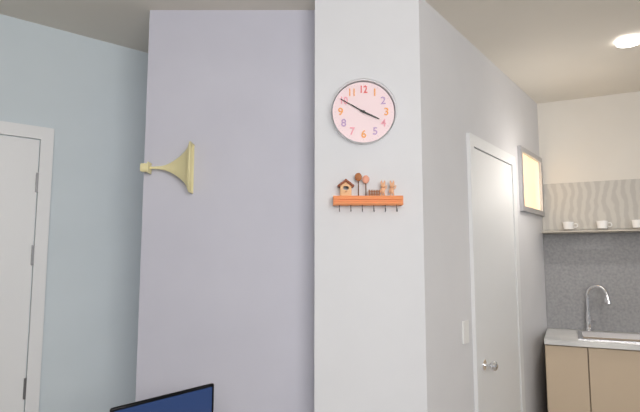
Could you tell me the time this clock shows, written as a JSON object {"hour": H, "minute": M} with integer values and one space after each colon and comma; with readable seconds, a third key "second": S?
{"hour": 3, "minute": 50}
